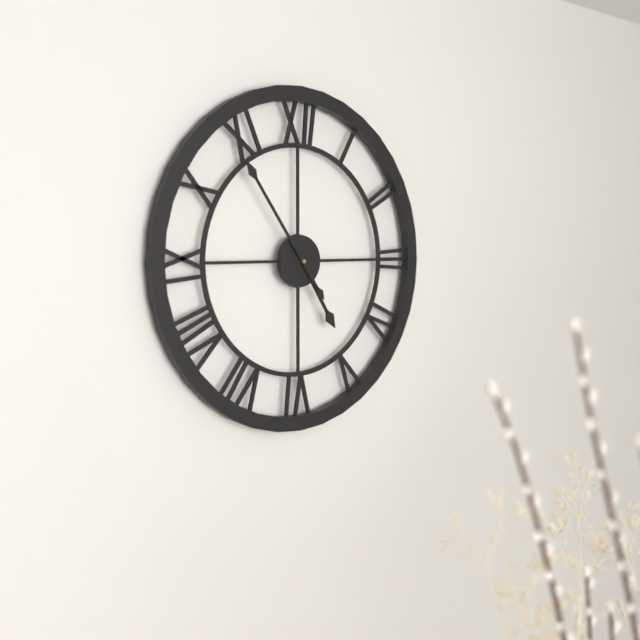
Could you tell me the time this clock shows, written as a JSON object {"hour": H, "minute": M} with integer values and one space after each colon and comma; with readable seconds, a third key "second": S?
{"hour": 4, "minute": 54}
